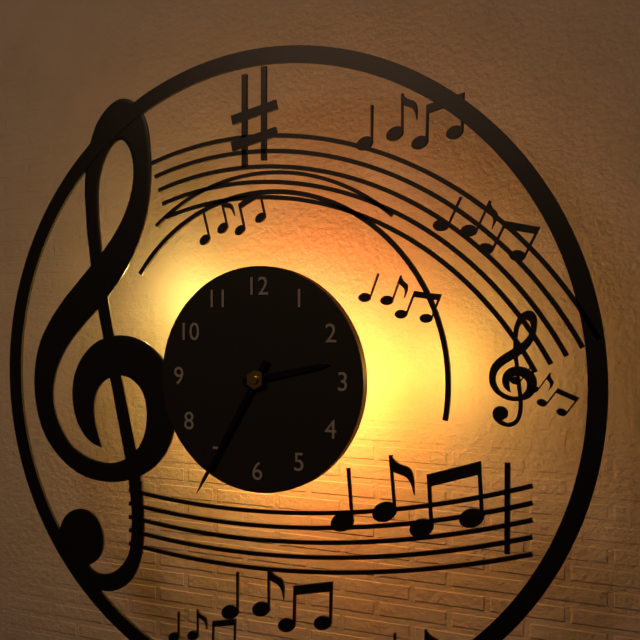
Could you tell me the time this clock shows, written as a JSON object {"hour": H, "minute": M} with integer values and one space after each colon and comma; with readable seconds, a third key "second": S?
{"hour": 2, "minute": 35}
